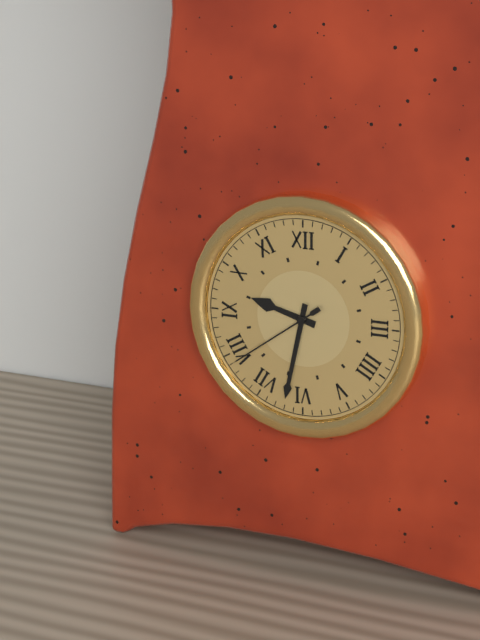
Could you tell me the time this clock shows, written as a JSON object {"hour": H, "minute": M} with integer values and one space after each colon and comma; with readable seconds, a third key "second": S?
{"hour": 9, "minute": 32, "second": 39}
